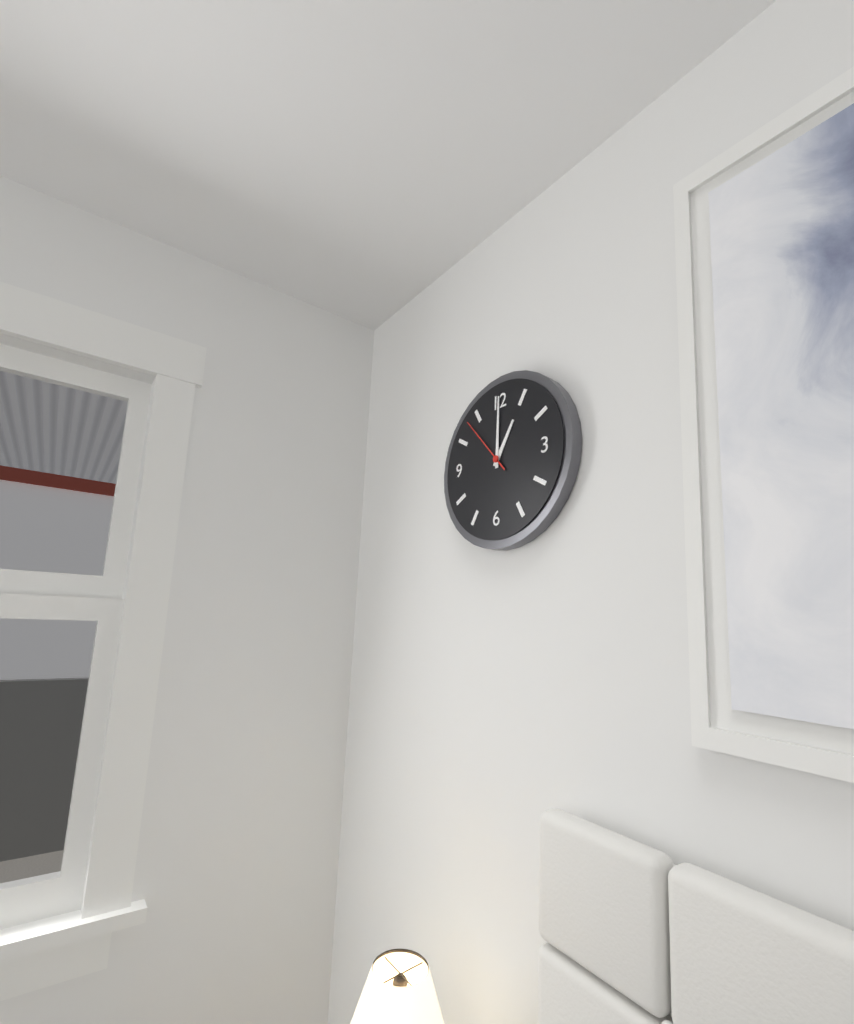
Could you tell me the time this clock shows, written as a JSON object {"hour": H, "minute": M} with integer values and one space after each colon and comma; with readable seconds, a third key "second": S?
{"hour": 1, "minute": 0, "second": 53}
